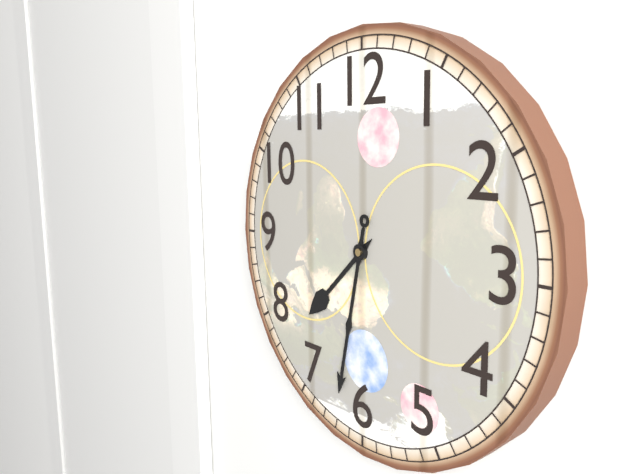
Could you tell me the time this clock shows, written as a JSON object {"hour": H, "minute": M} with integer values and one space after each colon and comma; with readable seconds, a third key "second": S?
{"hour": 7, "minute": 32}
